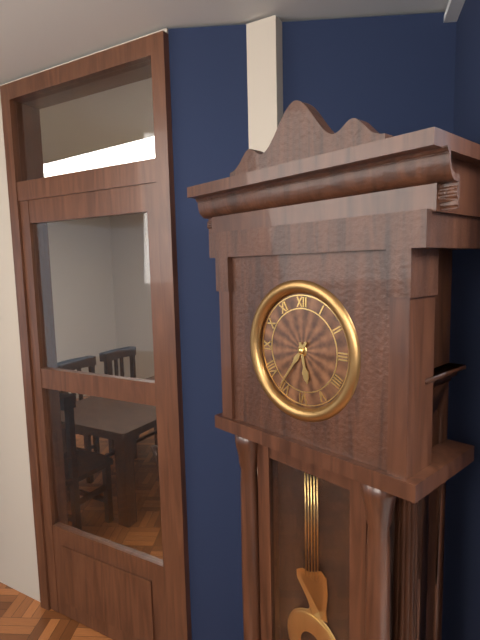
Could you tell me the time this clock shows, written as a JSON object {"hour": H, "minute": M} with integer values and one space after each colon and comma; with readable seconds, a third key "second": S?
{"hour": 5, "minute": 36}
